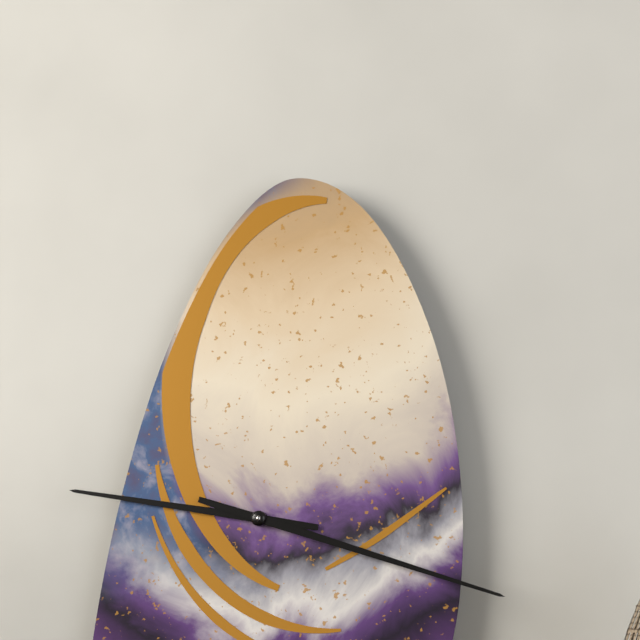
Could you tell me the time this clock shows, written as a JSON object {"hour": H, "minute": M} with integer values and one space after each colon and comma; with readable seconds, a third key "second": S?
{"hour": 9, "minute": 18}
